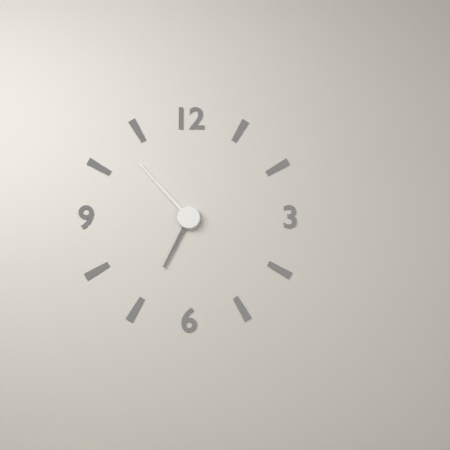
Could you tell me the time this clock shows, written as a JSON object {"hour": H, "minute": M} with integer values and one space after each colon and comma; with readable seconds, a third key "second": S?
{"hour": 6, "minute": 53}
